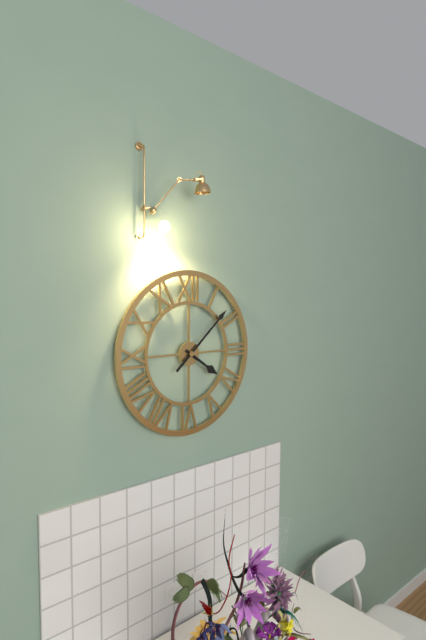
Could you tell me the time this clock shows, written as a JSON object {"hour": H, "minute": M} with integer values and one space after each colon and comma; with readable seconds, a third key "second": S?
{"hour": 4, "minute": 8}
